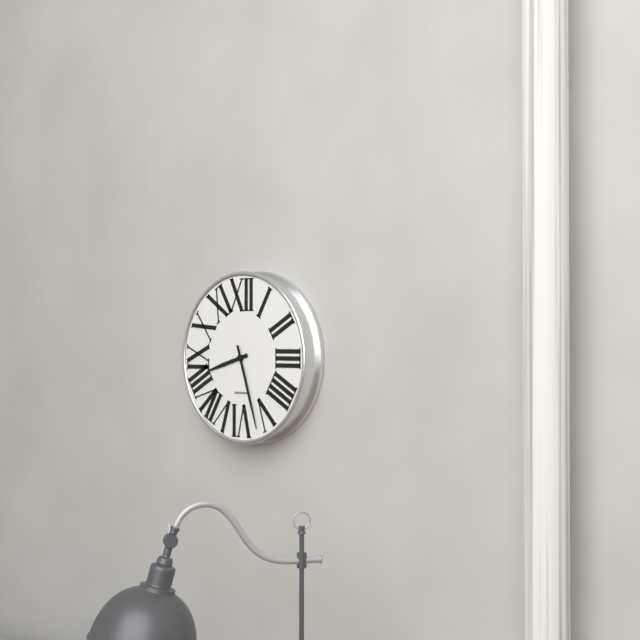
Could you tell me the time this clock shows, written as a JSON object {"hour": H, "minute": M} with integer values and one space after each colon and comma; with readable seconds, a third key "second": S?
{"hour": 8, "minute": 27}
